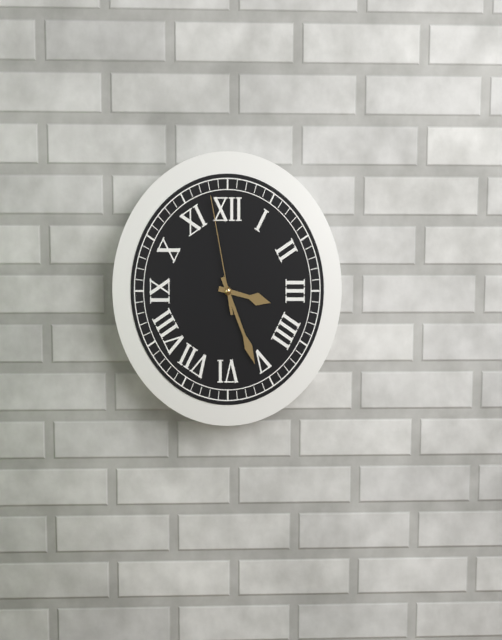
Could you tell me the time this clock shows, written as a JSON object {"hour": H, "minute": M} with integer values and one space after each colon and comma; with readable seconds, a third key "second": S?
{"hour": 3, "minute": 26, "second": 58}
